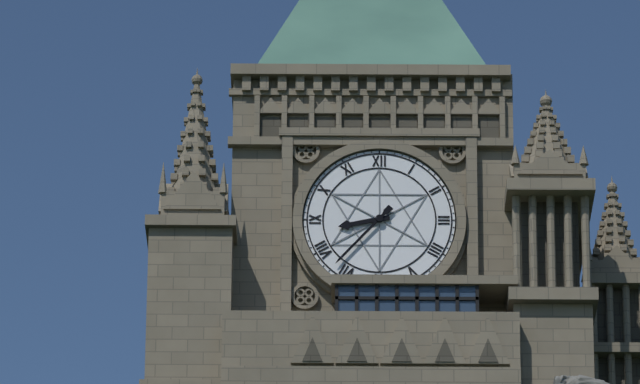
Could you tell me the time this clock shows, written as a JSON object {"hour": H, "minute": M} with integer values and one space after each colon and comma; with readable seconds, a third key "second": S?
{"hour": 8, "minute": 37}
